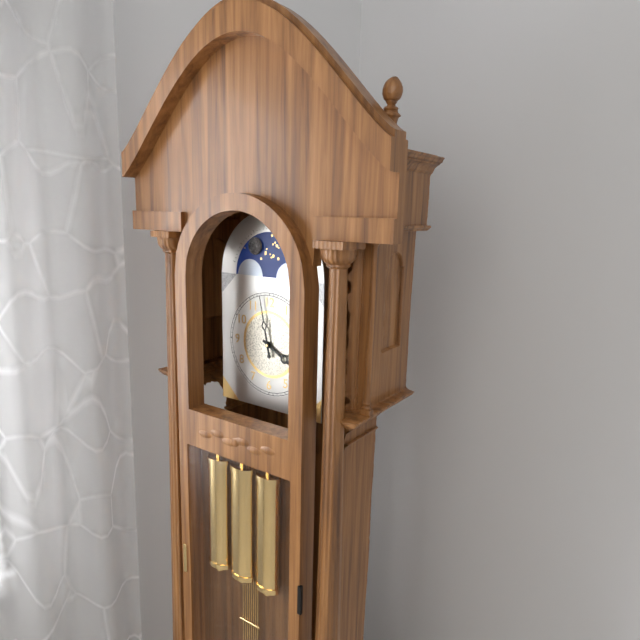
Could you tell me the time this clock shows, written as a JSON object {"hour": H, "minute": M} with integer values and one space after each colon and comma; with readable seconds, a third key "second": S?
{"hour": 3, "minute": 58}
